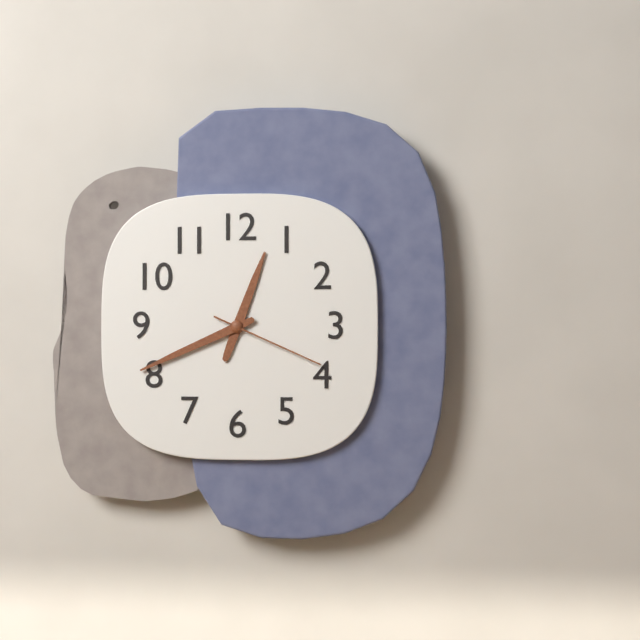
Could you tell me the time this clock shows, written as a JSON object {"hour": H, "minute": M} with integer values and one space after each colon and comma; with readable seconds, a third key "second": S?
{"hour": 12, "minute": 41, "second": 19}
